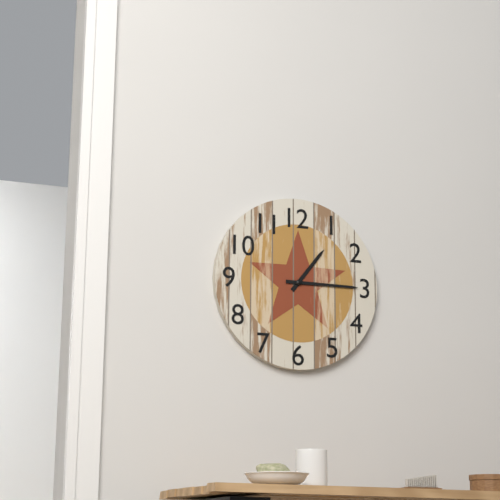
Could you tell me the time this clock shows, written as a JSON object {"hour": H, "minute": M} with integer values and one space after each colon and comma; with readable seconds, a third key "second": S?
{"hour": 1, "minute": 15}
